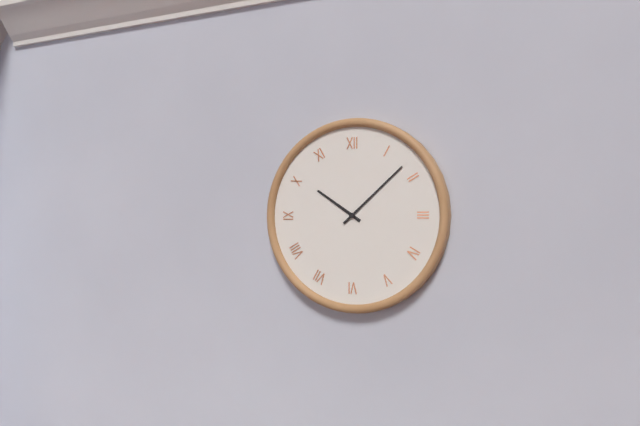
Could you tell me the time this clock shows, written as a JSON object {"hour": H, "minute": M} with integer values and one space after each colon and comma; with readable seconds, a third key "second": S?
{"hour": 10, "minute": 8}
